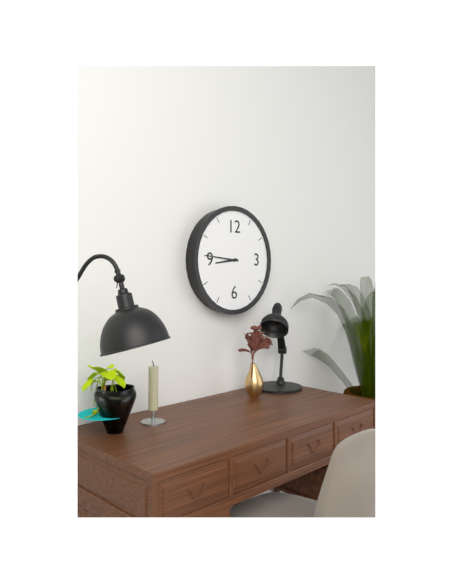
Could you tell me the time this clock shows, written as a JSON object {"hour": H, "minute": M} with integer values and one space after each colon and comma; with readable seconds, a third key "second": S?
{"hour": 8, "minute": 46}
